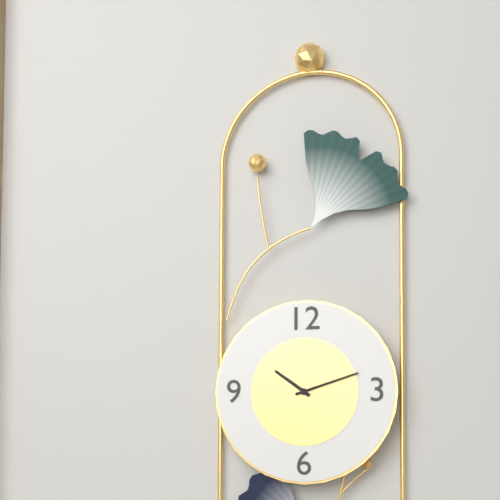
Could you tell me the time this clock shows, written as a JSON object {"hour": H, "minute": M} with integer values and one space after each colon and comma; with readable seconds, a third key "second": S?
{"hour": 10, "minute": 12}
